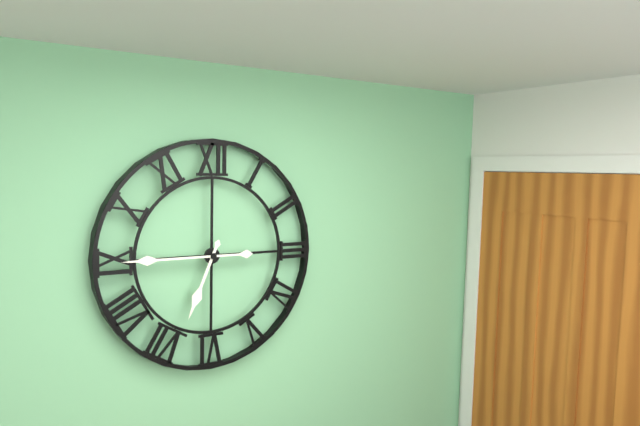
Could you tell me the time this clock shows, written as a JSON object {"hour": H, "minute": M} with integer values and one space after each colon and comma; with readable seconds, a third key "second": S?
{"hour": 6, "minute": 45}
